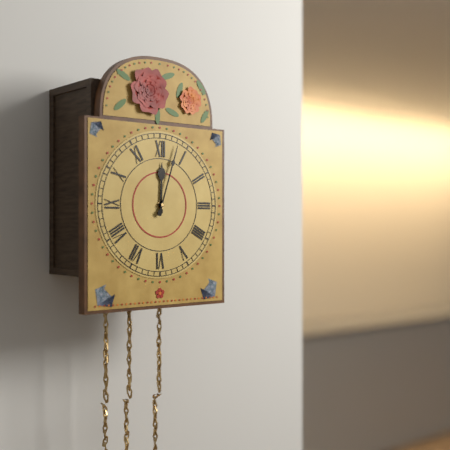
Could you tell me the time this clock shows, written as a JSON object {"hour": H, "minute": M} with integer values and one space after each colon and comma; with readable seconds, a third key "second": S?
{"hour": 12, "minute": 3}
